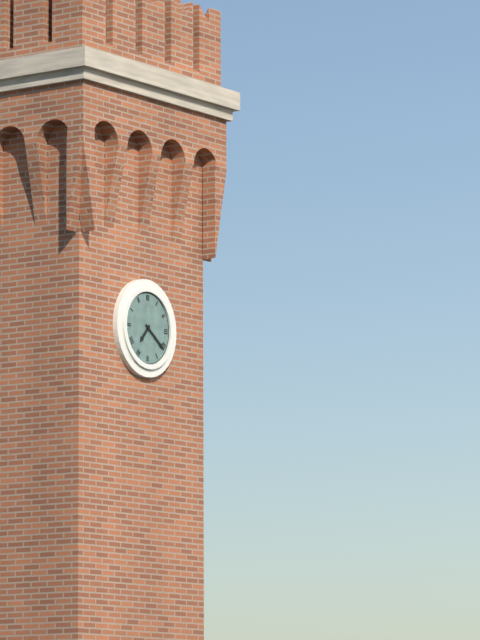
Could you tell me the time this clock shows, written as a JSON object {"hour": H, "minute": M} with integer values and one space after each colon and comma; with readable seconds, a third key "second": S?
{"hour": 7, "minute": 21}
